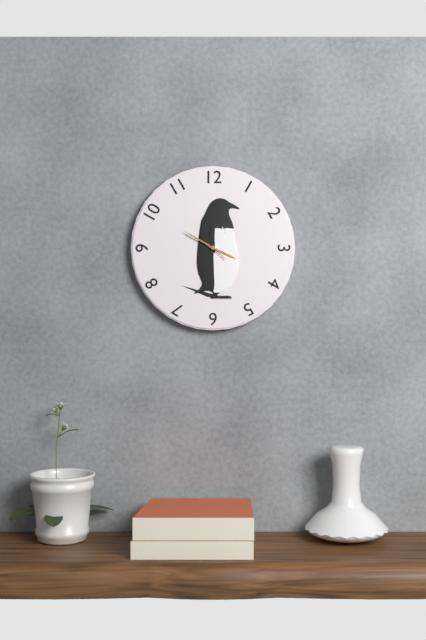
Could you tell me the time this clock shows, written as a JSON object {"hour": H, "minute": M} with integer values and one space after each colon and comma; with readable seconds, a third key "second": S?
{"hour": 3, "minute": 50}
